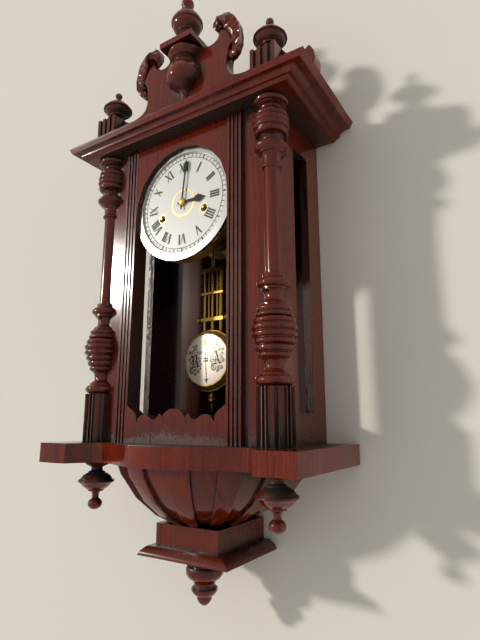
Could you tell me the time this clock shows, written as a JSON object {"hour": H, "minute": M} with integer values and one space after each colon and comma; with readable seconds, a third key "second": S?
{"hour": 3, "minute": 1}
